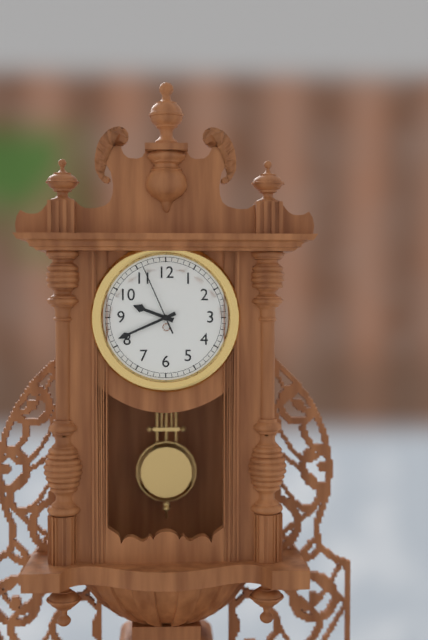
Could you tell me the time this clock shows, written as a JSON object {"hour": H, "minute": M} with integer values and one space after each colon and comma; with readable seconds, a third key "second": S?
{"hour": 9, "minute": 41, "second": 56}
